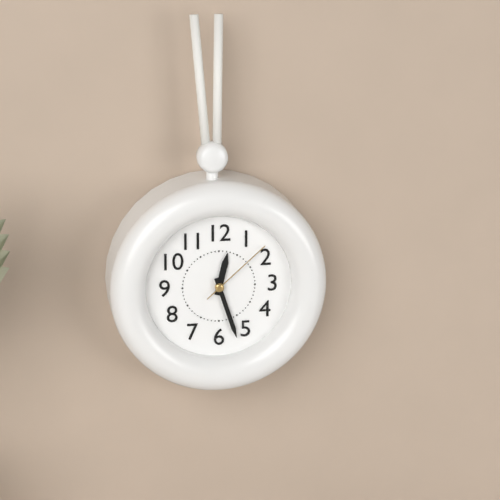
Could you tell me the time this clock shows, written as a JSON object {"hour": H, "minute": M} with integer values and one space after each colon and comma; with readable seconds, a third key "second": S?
{"hour": 12, "minute": 27, "second": 8}
